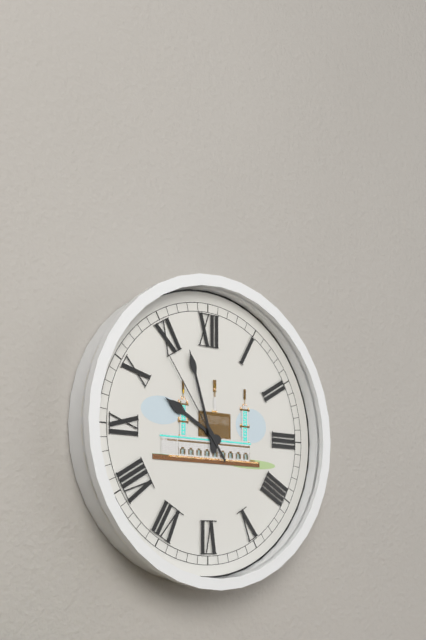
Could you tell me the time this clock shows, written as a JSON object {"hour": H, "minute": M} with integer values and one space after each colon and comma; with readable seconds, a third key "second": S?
{"hour": 9, "minute": 57, "second": 54}
